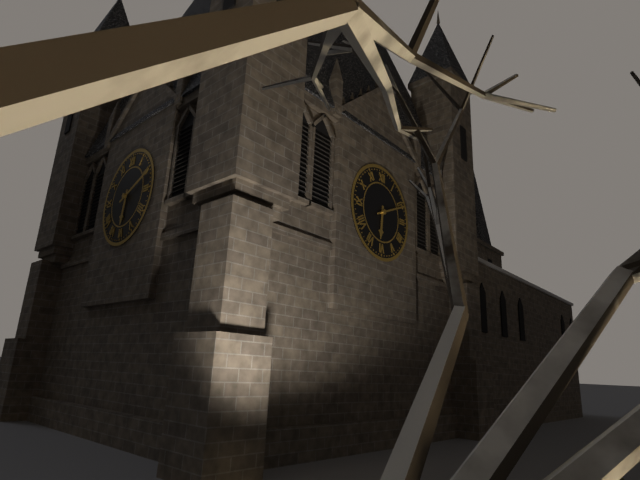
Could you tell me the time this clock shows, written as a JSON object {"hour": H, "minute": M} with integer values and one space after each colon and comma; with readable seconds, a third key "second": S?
{"hour": 6, "minute": 11}
